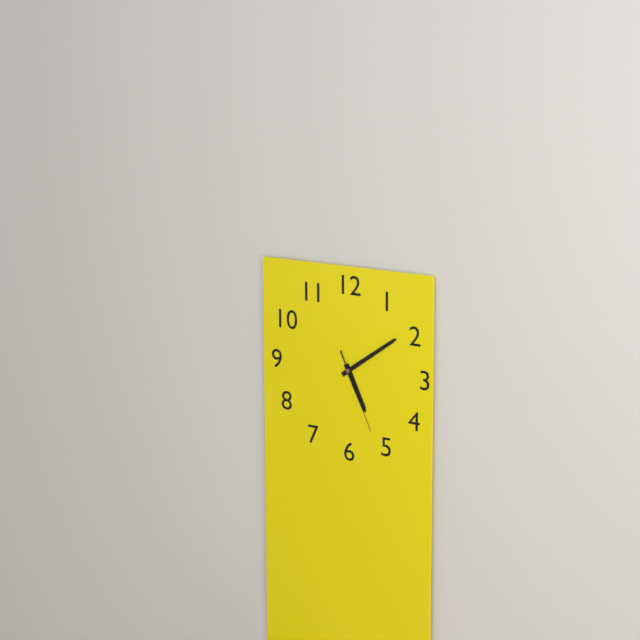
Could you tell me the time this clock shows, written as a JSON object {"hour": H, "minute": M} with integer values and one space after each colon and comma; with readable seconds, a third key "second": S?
{"hour": 5, "minute": 9, "second": 26}
